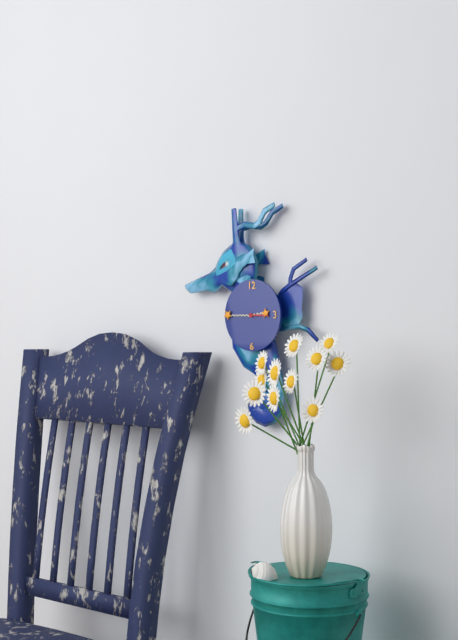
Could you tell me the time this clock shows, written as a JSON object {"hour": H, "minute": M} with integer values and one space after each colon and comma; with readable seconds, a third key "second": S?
{"hour": 2, "minute": 45}
